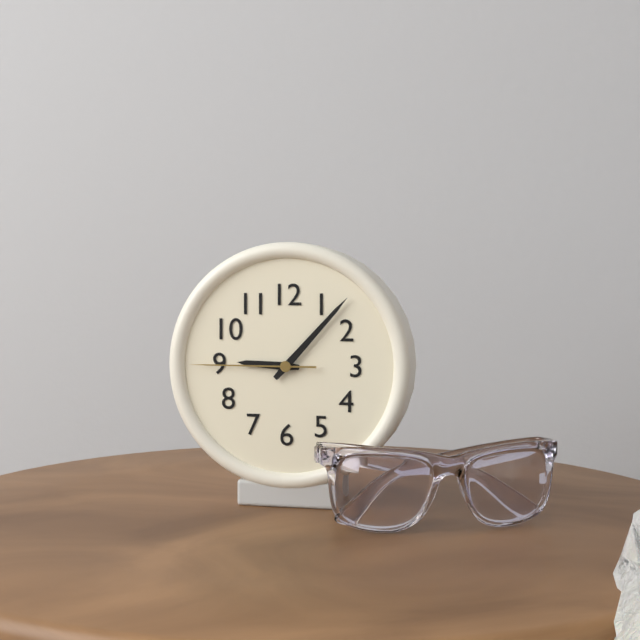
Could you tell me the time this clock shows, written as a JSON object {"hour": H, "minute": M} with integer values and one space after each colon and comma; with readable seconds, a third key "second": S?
{"hour": 9, "minute": 7, "second": 45}
